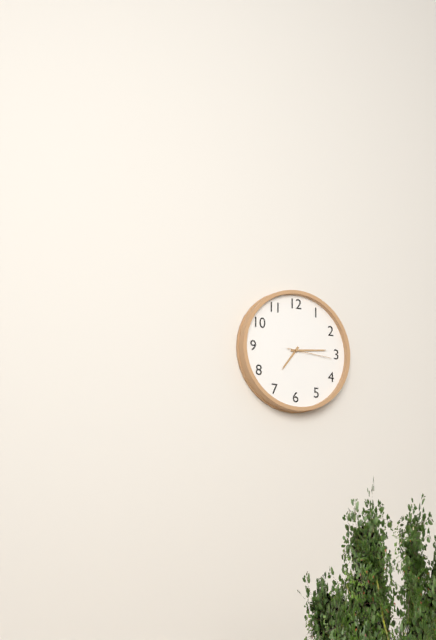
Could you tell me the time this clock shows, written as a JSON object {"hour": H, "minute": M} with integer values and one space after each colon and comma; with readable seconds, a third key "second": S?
{"hour": 7, "minute": 14}
